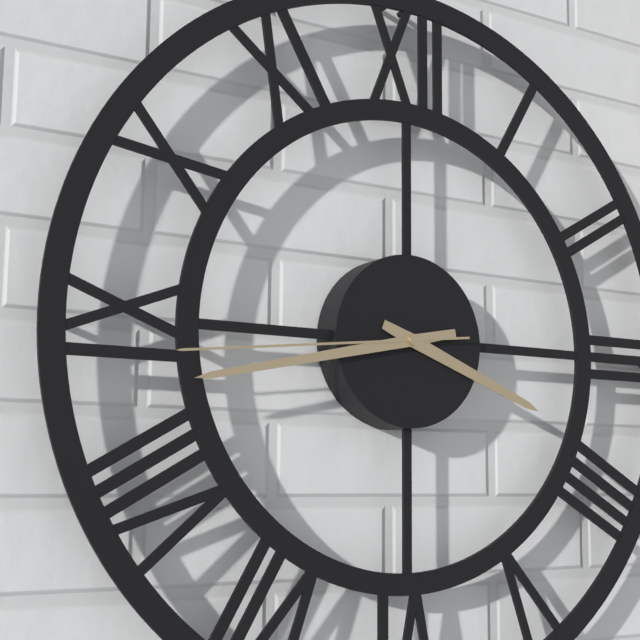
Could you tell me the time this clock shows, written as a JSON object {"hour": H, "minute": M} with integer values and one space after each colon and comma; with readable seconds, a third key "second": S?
{"hour": 3, "minute": 43, "second": 44}
